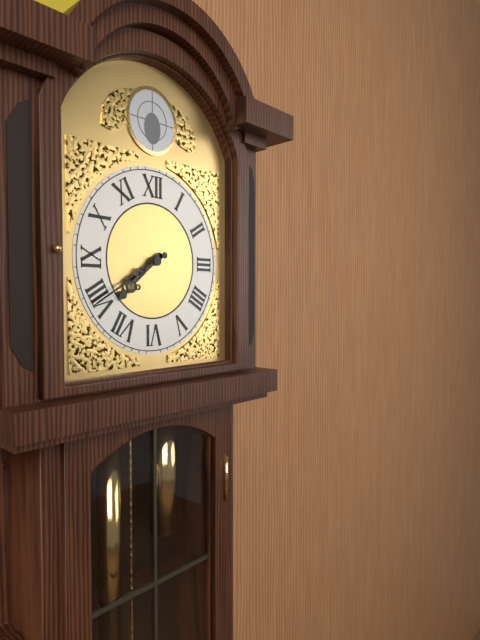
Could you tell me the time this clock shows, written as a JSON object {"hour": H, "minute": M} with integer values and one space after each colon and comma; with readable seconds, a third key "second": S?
{"hour": 7, "minute": 40}
